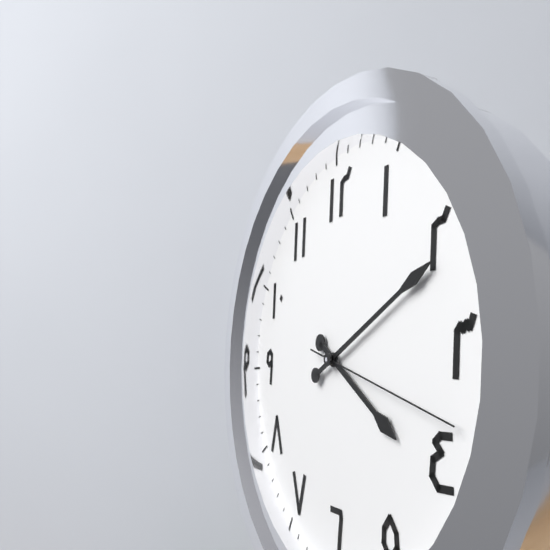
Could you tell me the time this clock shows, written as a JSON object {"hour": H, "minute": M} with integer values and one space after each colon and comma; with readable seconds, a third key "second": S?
{"hour": 4, "minute": 11, "second": 18}
